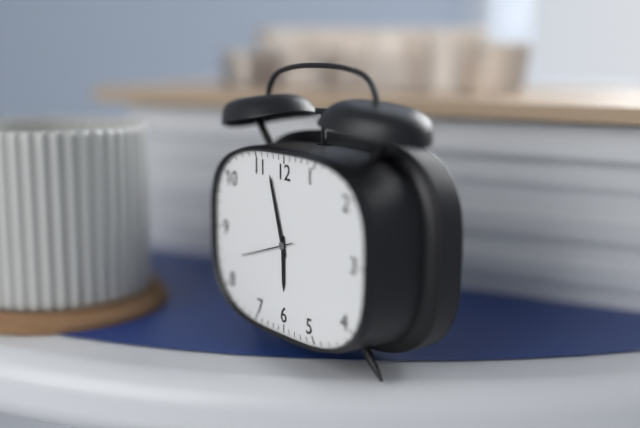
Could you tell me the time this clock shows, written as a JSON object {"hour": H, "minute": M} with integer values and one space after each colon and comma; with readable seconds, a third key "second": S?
{"hour": 5, "minute": 57, "second": 42}
